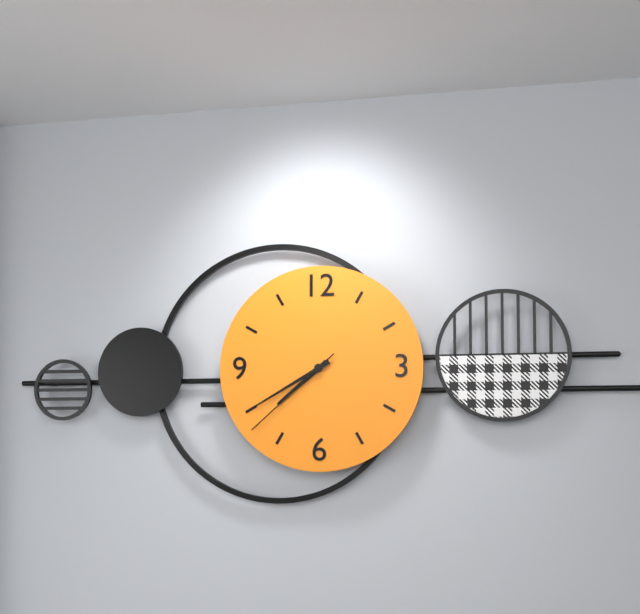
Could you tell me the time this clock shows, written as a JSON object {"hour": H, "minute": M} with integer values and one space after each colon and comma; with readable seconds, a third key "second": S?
{"hour": 7, "minute": 40, "second": 38}
